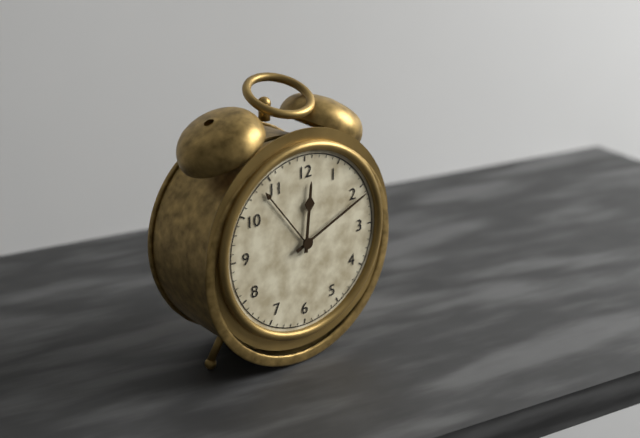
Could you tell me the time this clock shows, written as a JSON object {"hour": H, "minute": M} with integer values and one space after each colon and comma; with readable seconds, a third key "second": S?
{"hour": 12, "minute": 11}
